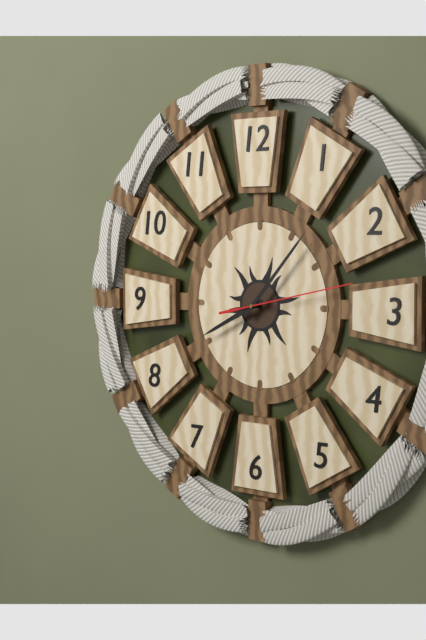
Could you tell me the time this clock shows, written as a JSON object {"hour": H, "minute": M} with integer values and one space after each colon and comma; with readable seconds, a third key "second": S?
{"hour": 8, "minute": 7, "second": 13}
